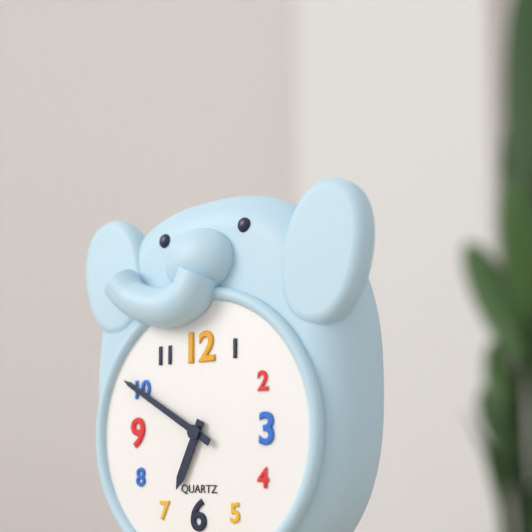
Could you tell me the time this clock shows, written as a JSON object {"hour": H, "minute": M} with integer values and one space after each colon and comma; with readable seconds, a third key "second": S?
{"hour": 6, "minute": 50}
